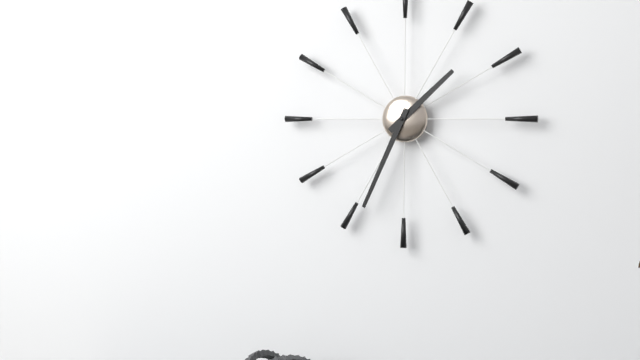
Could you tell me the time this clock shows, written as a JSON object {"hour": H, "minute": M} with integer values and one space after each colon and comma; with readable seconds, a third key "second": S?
{"hour": 1, "minute": 34}
